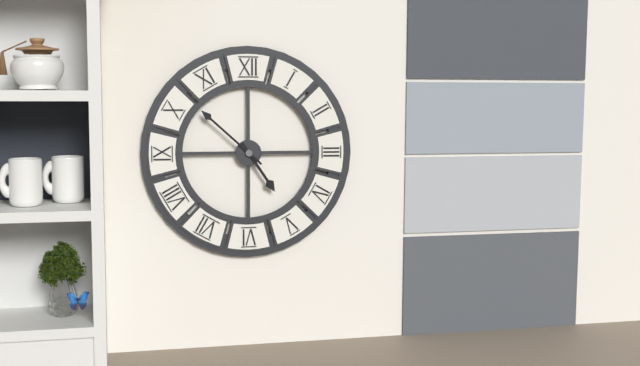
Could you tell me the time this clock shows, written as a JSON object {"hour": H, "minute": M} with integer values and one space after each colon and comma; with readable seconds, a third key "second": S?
{"hour": 4, "minute": 52}
